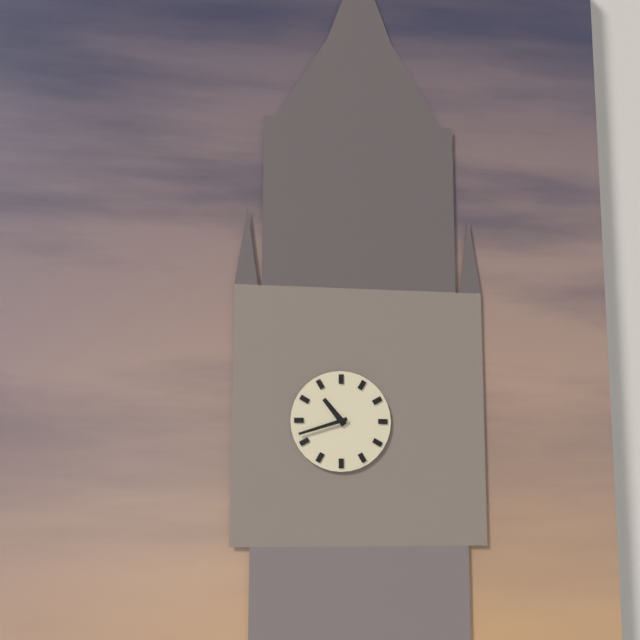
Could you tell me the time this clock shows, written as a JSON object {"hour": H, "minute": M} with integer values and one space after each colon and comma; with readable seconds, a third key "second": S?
{"hour": 10, "minute": 42}
